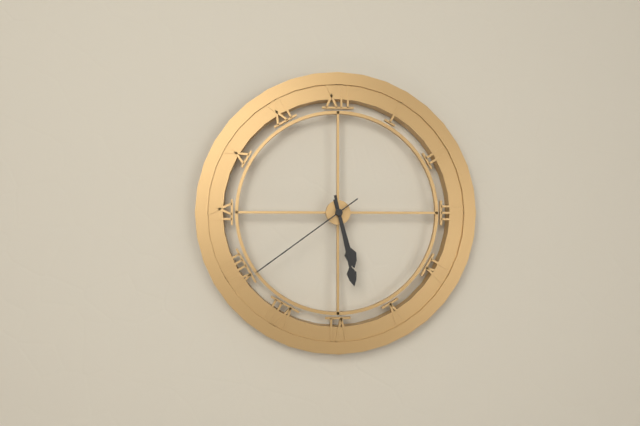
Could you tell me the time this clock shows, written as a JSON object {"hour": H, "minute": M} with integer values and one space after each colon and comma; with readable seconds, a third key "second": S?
{"hour": 5, "minute": 28, "second": 39}
